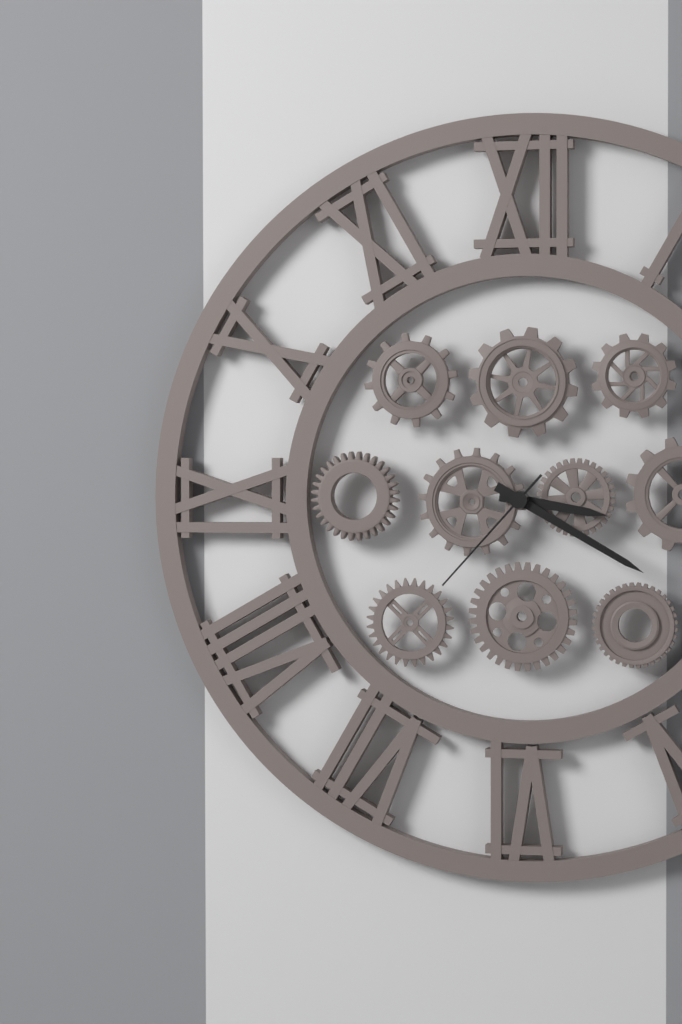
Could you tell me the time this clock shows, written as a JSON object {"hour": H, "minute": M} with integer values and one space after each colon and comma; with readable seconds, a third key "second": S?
{"hour": 3, "minute": 20, "second": 37}
